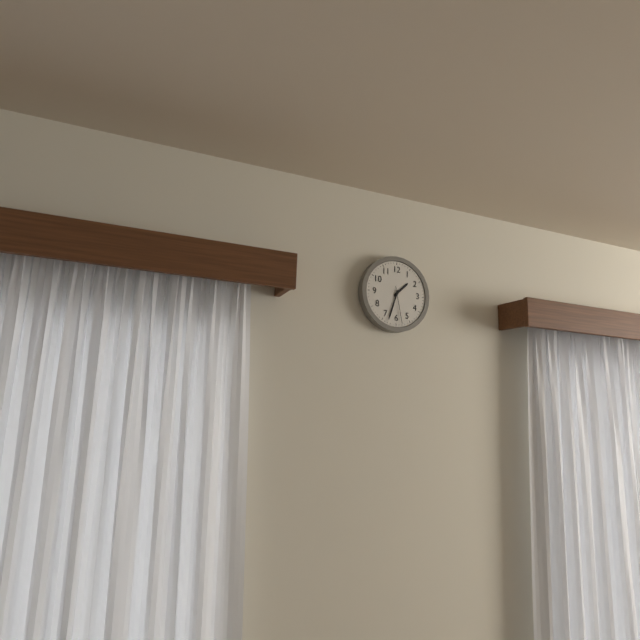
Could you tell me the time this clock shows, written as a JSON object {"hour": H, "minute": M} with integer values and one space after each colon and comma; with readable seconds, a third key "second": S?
{"hour": 1, "minute": 33}
